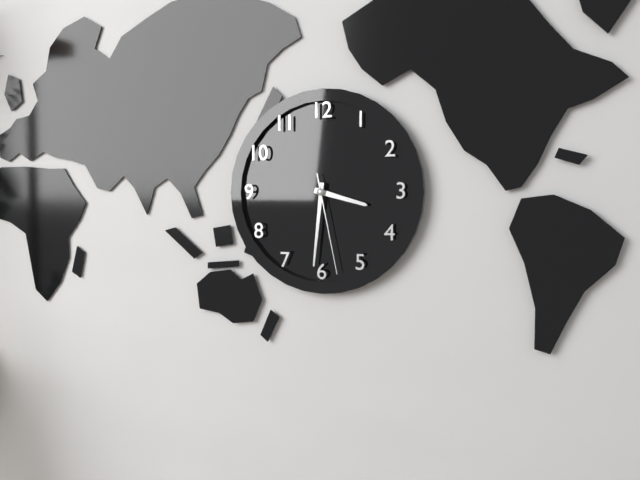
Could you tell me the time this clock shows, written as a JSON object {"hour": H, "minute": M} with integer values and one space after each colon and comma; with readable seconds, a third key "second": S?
{"hour": 3, "minute": 31, "second": 28}
